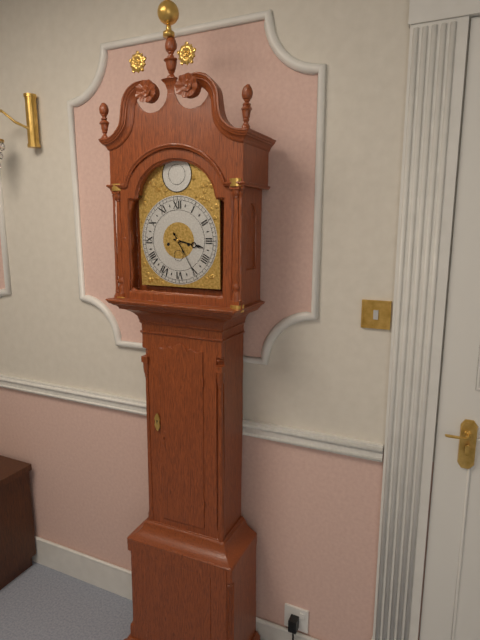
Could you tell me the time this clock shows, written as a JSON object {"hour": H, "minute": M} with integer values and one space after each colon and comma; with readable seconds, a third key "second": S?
{"hour": 3, "minute": 25}
